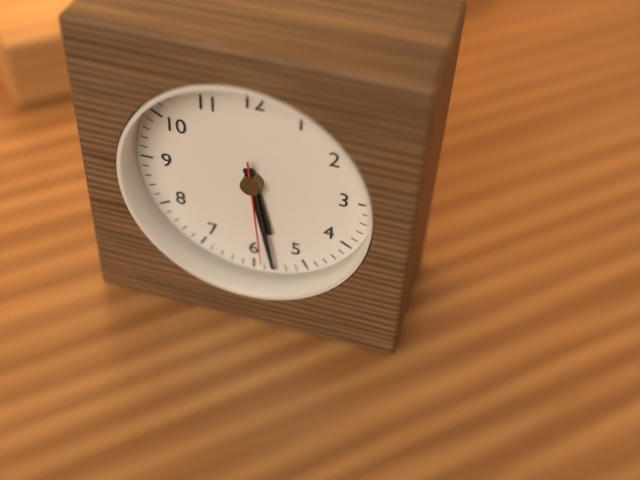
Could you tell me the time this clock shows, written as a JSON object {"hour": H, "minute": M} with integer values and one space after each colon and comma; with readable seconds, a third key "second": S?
{"hour": 5, "minute": 28, "second": 29}
